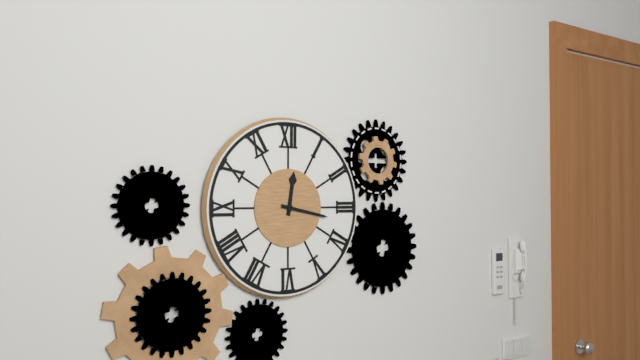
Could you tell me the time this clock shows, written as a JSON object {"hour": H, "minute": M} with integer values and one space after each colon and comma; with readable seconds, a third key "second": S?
{"hour": 12, "minute": 17}
